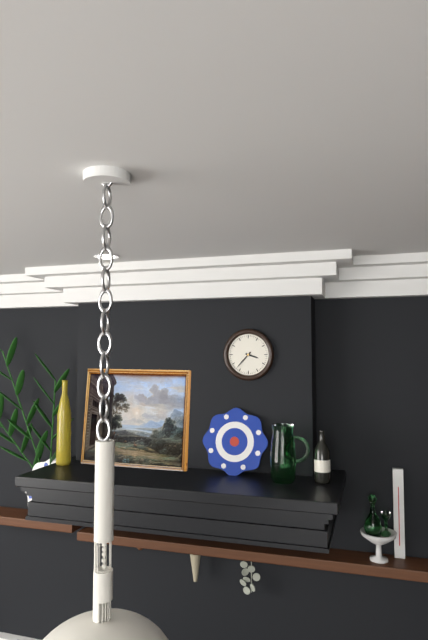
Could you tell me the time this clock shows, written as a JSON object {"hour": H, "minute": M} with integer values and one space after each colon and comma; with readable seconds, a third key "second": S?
{"hour": 3, "minute": 37}
